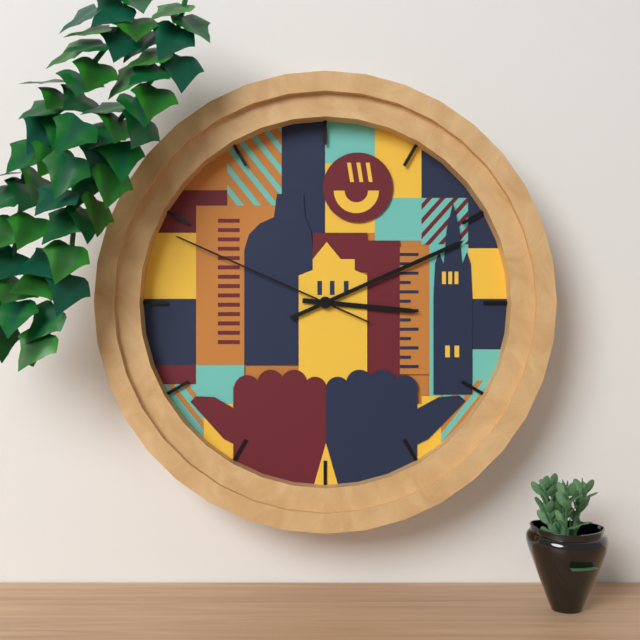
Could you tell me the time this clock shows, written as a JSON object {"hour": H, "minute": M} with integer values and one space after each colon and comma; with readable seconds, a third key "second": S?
{"hour": 3, "minute": 11, "second": 49}
